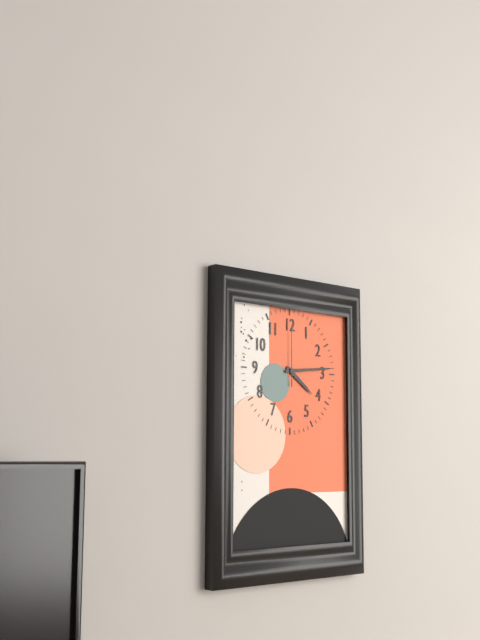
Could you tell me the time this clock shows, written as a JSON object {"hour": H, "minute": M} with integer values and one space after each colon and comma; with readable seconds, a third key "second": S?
{"hour": 4, "minute": 14}
